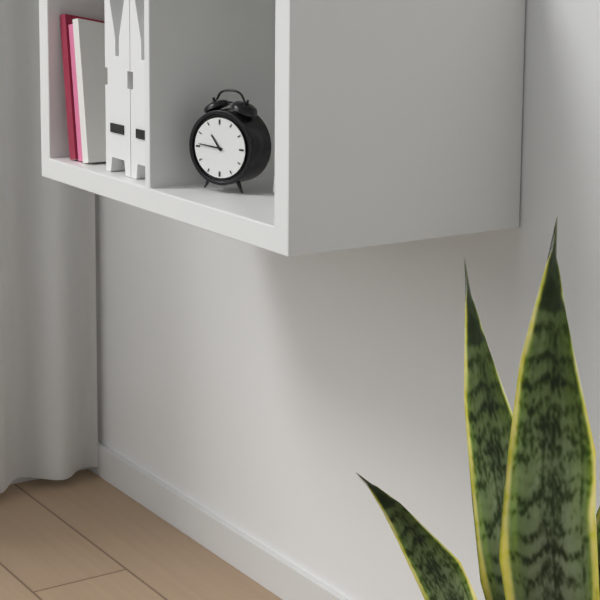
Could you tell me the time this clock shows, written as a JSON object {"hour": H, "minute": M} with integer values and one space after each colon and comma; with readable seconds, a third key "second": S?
{"hour": 10, "minute": 46}
